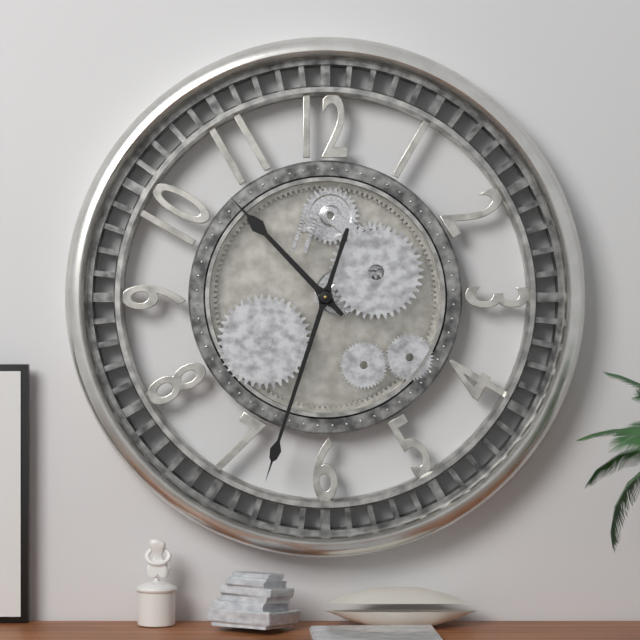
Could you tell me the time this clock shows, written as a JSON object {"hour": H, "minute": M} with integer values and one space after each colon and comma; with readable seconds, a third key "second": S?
{"hour": 10, "minute": 33}
